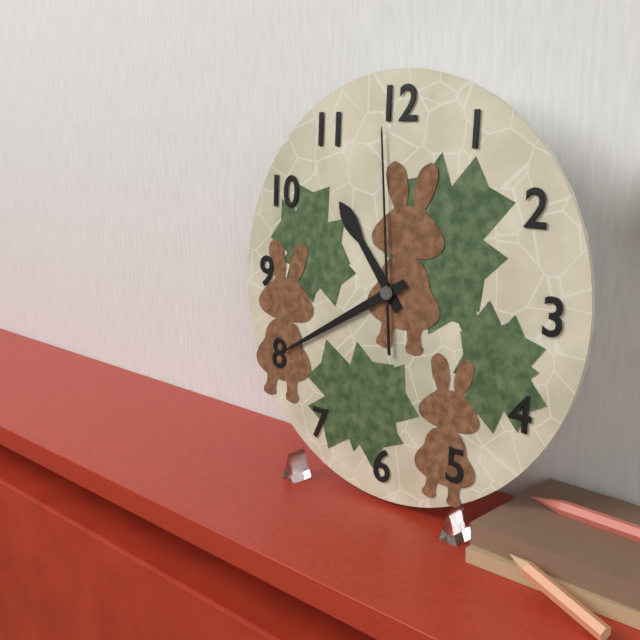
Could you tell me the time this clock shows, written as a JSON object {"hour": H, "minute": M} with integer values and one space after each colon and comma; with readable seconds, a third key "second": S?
{"hour": 10, "minute": 40, "second": 59}
